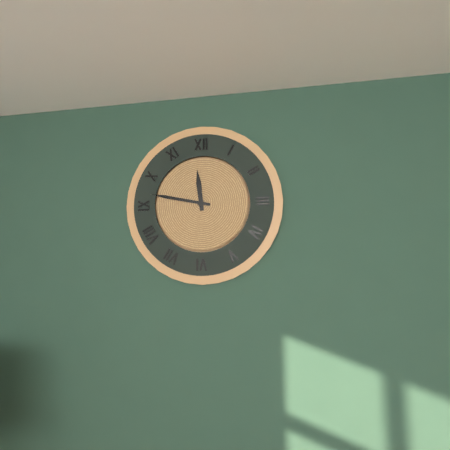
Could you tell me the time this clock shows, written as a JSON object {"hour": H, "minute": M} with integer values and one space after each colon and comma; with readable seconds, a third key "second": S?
{"hour": 11, "minute": 47}
